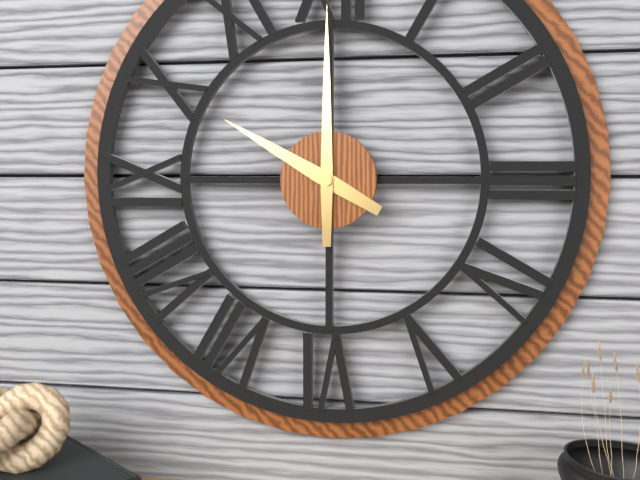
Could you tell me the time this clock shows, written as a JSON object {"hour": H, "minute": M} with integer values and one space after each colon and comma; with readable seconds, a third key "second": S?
{"hour": 10, "minute": 0}
